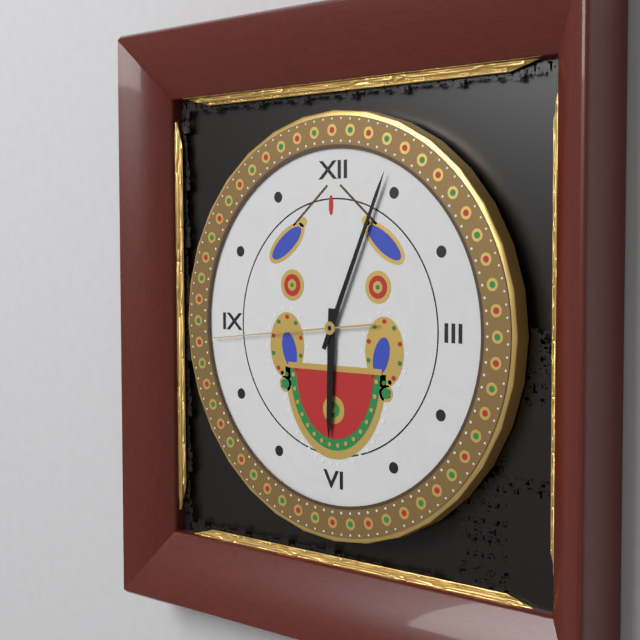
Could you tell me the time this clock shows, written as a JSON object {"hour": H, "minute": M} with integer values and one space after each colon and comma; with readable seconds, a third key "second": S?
{"hour": 6, "minute": 4, "second": 44}
